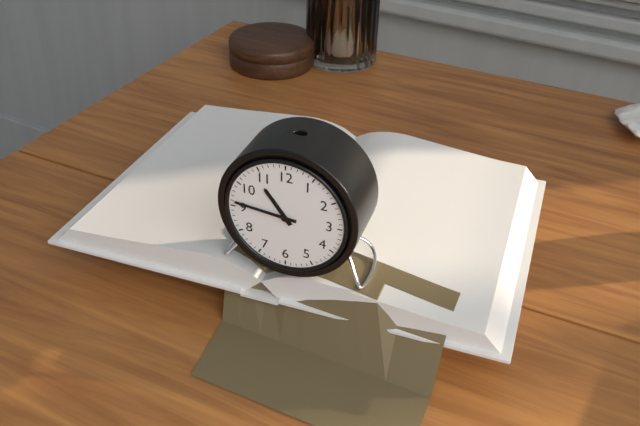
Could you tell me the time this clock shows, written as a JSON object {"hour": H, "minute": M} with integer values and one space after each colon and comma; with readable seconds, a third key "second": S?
{"hour": 10, "minute": 46}
